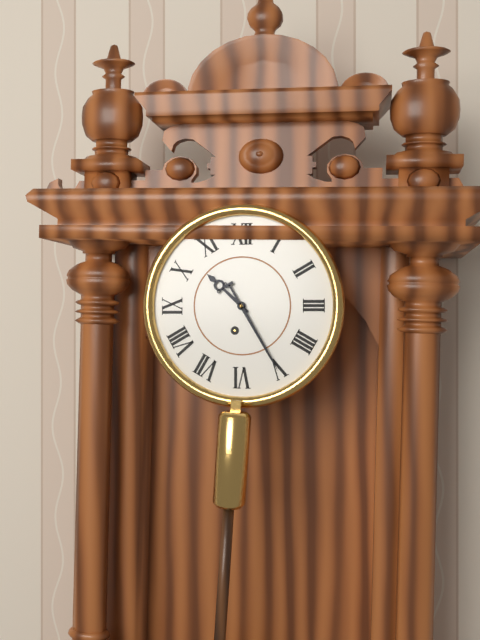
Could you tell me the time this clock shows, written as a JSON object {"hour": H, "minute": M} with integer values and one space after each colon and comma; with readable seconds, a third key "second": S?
{"hour": 10, "minute": 25}
